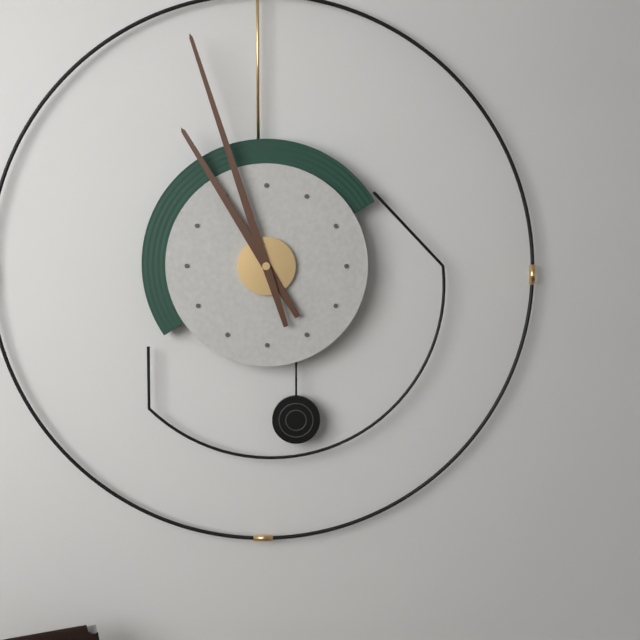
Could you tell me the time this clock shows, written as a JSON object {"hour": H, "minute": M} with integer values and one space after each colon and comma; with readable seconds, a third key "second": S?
{"hour": 10, "minute": 57}
